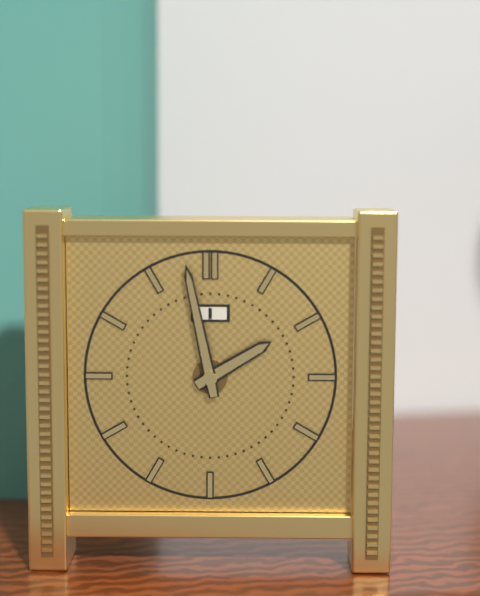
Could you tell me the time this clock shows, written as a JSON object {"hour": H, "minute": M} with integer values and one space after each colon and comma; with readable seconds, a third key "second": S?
{"hour": 1, "minute": 58}
